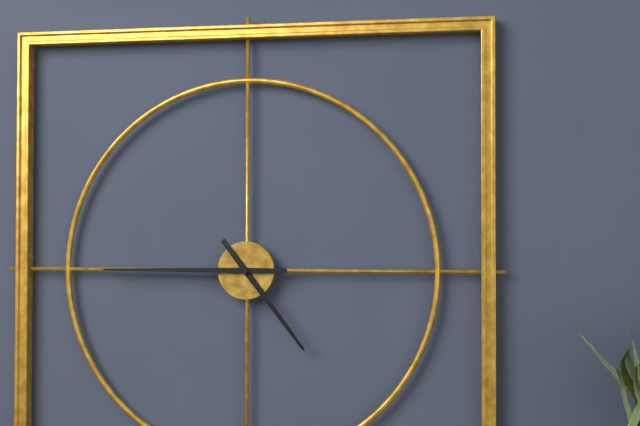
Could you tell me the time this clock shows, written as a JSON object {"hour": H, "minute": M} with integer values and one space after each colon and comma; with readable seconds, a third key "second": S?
{"hour": 4, "minute": 45}
